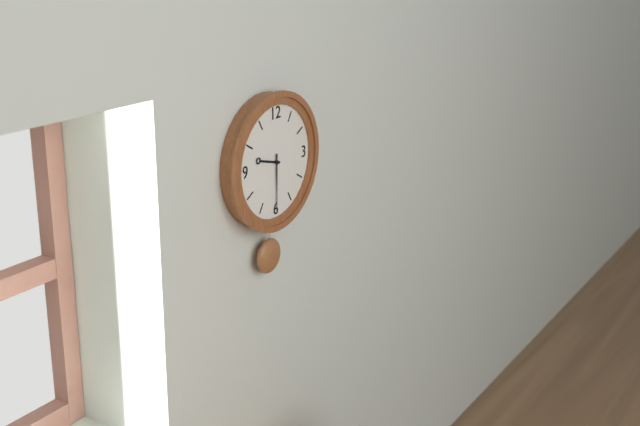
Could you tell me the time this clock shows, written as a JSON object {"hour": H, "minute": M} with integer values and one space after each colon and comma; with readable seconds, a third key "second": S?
{"hour": 9, "minute": 30}
